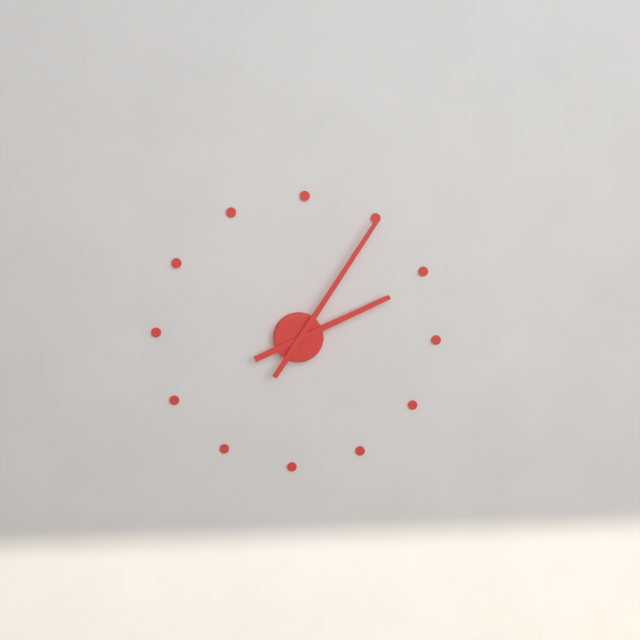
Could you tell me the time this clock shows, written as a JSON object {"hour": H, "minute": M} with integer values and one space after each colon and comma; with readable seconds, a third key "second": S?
{"hour": 2, "minute": 5}
